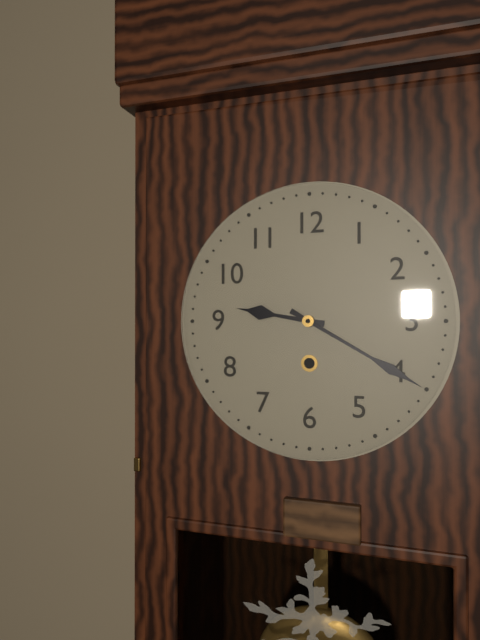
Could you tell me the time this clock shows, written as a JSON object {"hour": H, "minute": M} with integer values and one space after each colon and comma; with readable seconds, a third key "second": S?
{"hour": 9, "minute": 20}
